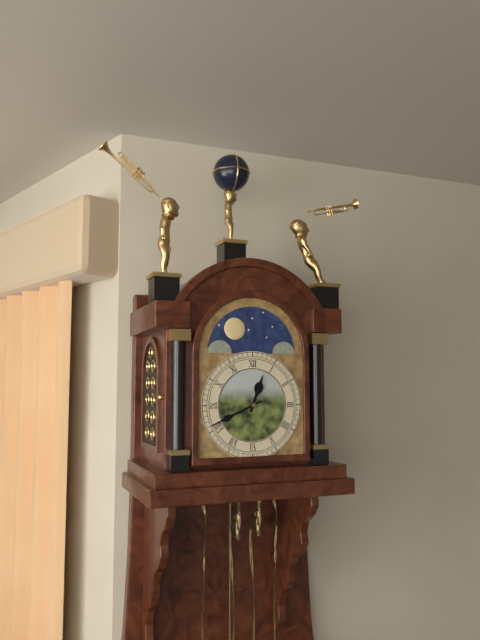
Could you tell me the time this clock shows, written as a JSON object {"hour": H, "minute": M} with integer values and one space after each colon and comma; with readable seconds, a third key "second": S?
{"hour": 12, "minute": 41}
